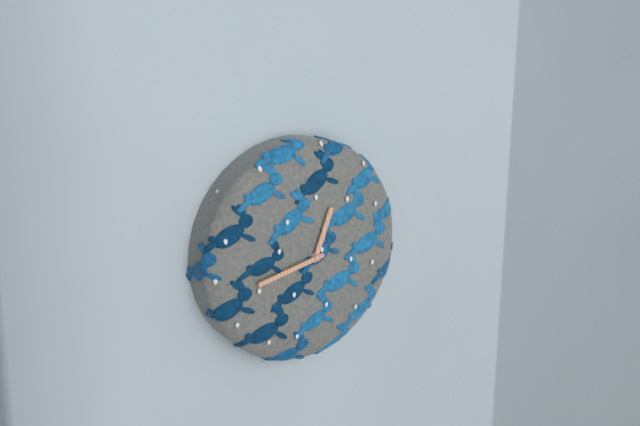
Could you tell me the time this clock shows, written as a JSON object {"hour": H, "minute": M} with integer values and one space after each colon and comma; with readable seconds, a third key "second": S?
{"hour": 12, "minute": 43}
